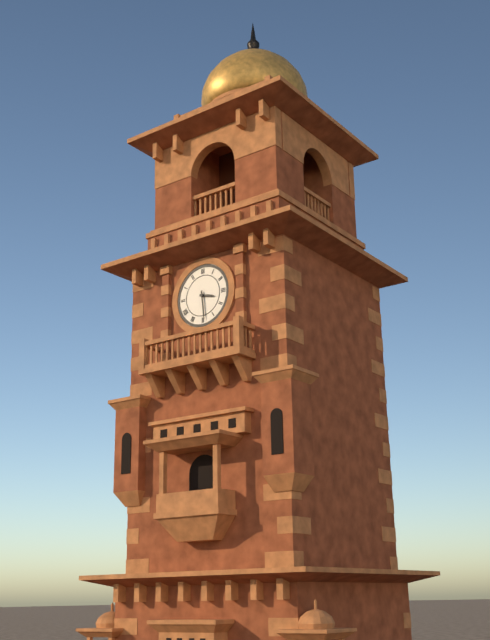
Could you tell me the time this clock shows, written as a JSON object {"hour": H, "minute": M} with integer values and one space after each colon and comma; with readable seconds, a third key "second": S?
{"hour": 3, "minute": 29}
